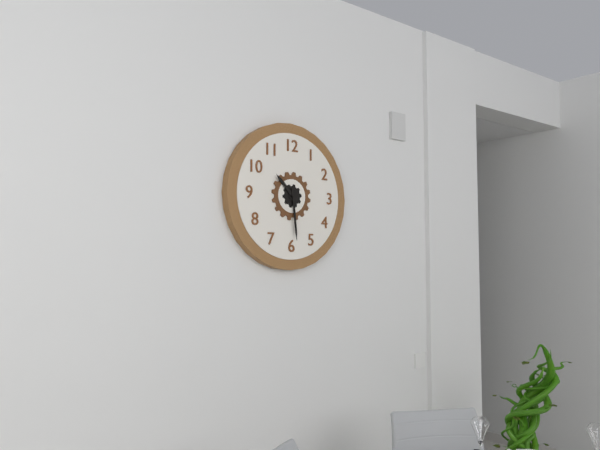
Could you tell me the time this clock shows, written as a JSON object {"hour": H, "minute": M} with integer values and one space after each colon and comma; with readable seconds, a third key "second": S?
{"hour": 10, "minute": 29}
